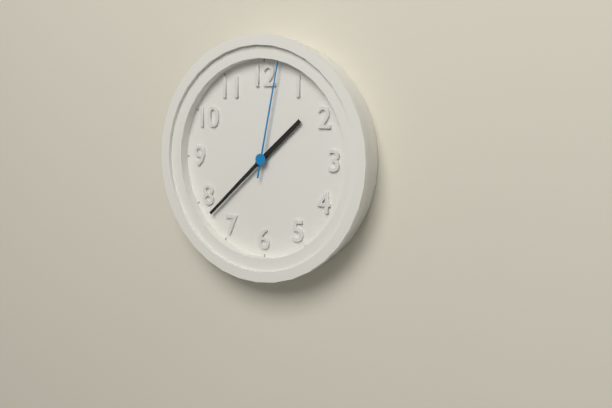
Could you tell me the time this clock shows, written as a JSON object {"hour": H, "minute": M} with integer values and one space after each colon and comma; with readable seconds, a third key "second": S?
{"hour": 1, "minute": 38, "second": 2}
